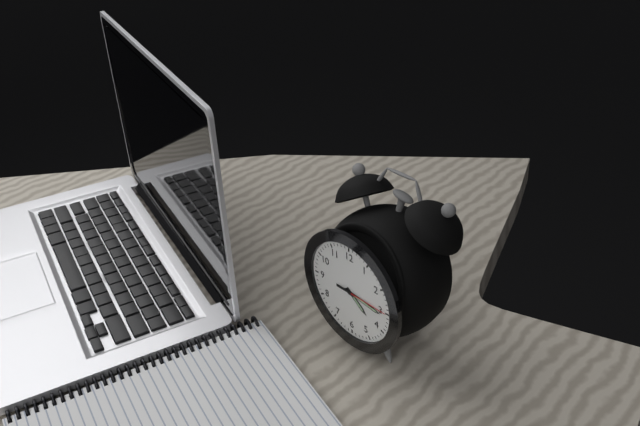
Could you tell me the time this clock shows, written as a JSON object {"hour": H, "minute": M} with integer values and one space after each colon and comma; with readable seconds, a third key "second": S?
{"hour": 4, "minute": 16, "second": 15}
